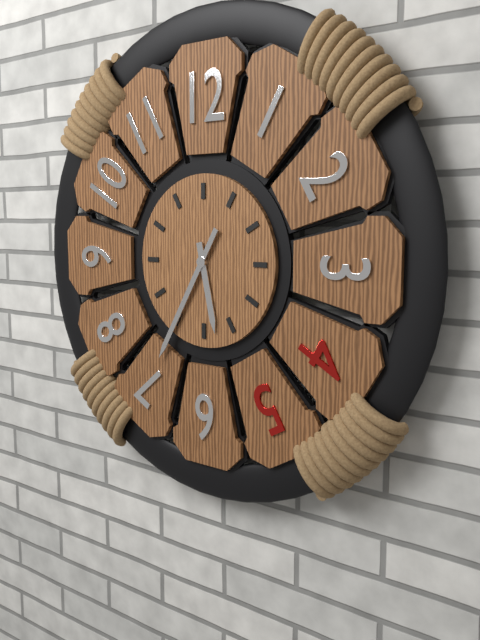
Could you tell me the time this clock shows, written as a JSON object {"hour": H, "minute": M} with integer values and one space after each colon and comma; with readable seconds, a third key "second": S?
{"hour": 5, "minute": 35}
